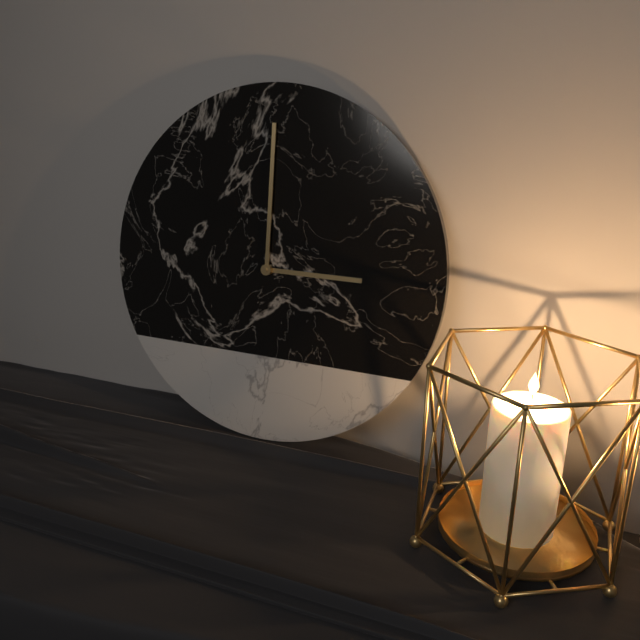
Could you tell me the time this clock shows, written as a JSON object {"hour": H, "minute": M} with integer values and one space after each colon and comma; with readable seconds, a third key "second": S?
{"hour": 3, "minute": 0}
